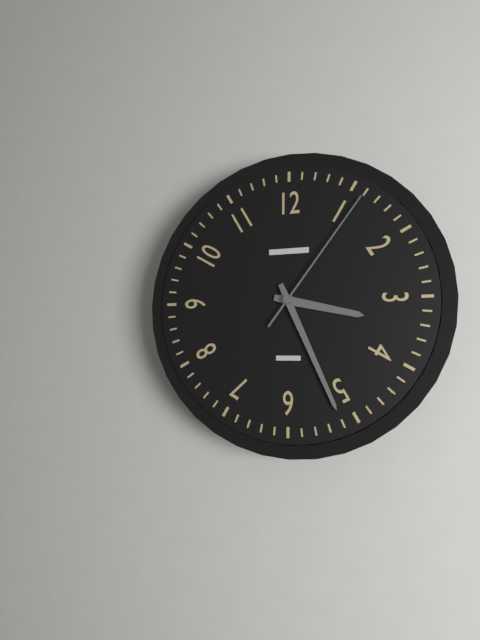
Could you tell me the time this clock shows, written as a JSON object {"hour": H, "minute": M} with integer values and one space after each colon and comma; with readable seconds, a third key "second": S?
{"hour": 3, "minute": 26, "second": 6}
